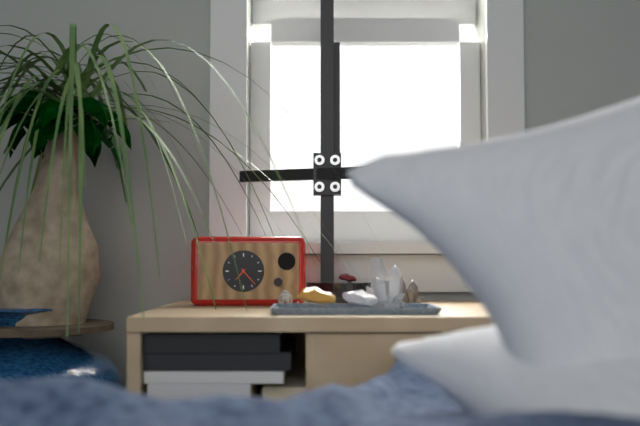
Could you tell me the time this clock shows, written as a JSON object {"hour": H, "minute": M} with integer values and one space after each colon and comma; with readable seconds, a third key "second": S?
{"hour": 7, "minute": 23}
